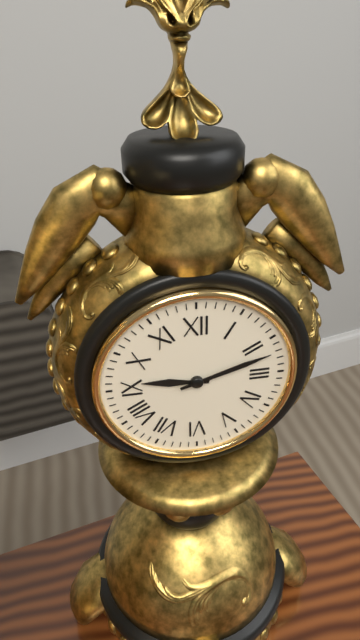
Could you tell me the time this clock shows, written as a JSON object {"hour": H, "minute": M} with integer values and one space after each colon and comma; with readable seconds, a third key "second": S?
{"hour": 9, "minute": 12}
